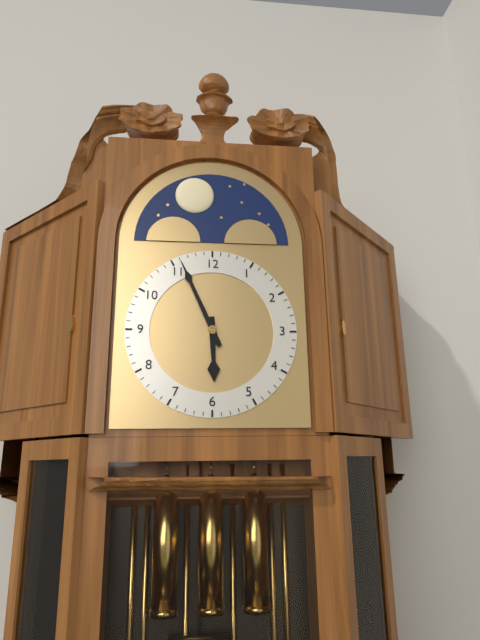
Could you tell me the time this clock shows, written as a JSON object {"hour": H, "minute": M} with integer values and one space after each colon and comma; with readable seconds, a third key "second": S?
{"hour": 5, "minute": 56}
